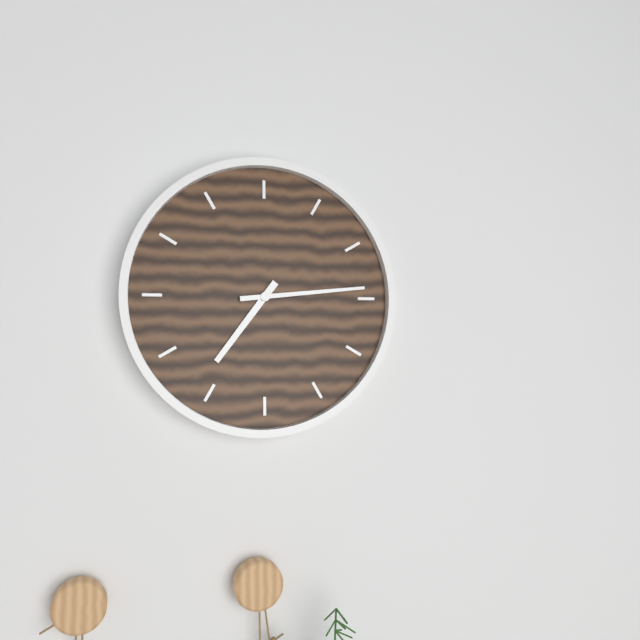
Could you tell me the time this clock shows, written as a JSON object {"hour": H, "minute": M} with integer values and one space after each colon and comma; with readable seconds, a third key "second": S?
{"hour": 7, "minute": 14}
